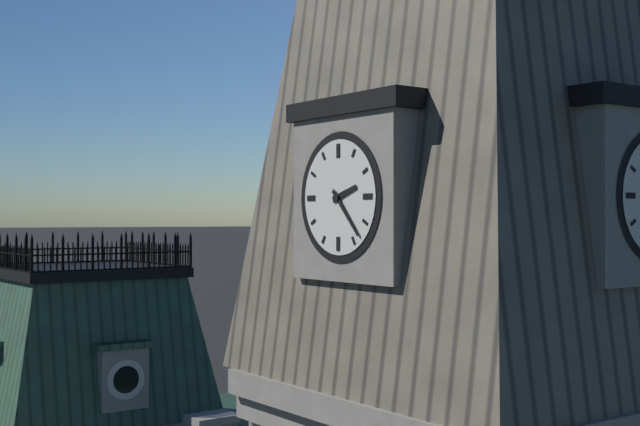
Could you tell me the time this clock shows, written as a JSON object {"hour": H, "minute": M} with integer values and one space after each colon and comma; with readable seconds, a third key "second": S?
{"hour": 2, "minute": 23}
